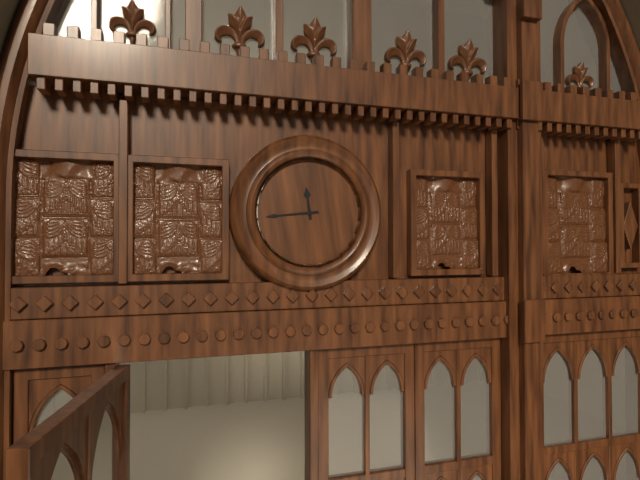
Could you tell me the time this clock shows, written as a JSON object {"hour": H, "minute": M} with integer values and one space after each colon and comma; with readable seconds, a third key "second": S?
{"hour": 11, "minute": 44}
